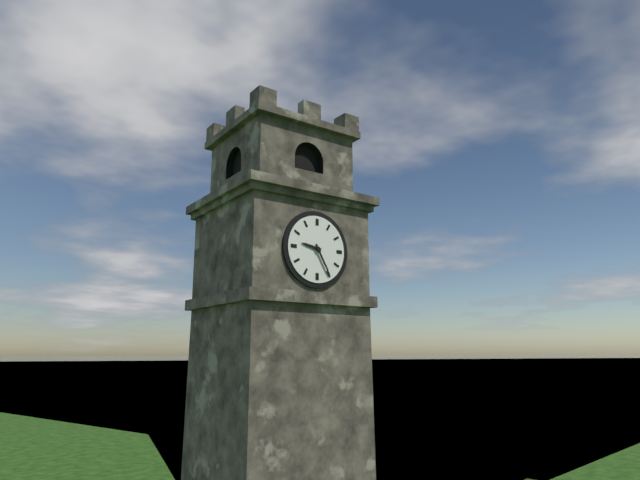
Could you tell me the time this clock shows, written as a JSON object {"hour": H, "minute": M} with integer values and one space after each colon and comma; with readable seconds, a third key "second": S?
{"hour": 9, "minute": 25}
